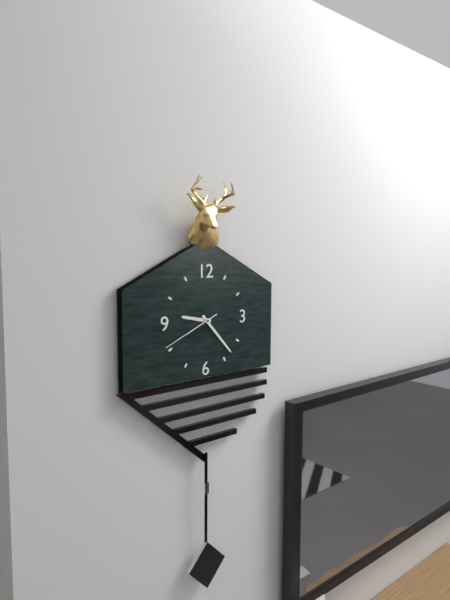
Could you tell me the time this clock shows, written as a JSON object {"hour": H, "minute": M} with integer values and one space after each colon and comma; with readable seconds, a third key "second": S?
{"hour": 9, "minute": 23, "second": 41}
